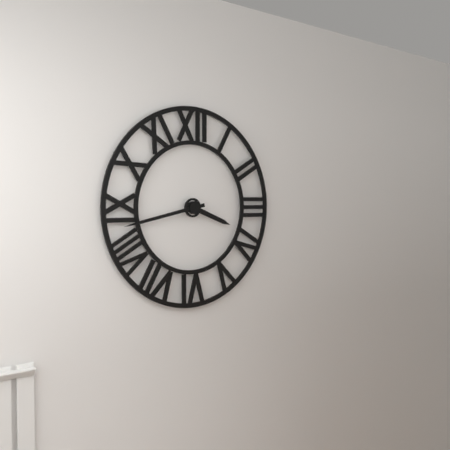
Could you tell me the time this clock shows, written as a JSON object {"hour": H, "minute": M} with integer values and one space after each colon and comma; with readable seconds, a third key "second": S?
{"hour": 3, "minute": 43}
